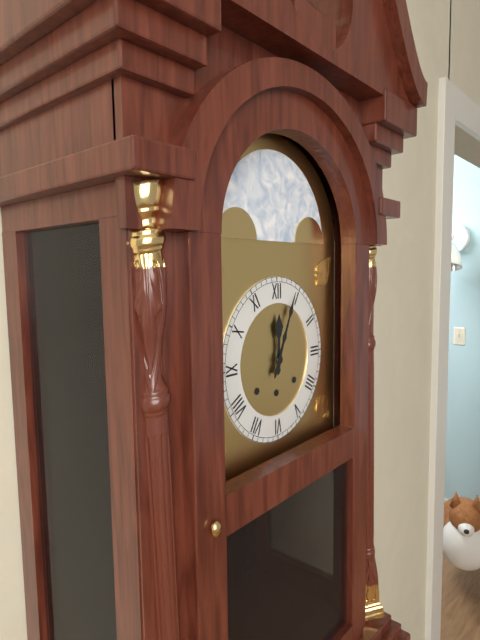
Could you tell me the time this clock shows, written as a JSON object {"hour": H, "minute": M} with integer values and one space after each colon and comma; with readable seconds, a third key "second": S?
{"hour": 12, "minute": 4}
